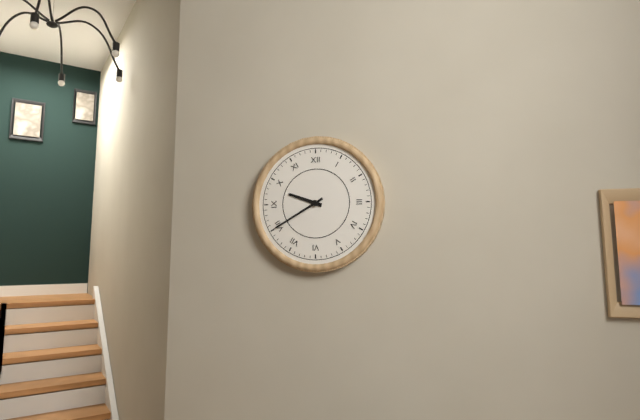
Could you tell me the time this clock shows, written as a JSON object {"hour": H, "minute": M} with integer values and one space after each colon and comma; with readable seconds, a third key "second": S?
{"hour": 9, "minute": 40}
